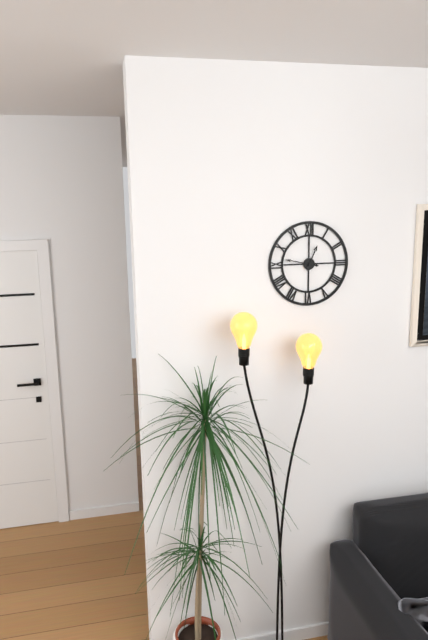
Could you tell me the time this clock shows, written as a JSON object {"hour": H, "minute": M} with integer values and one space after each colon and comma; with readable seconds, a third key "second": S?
{"hour": 12, "minute": 47}
